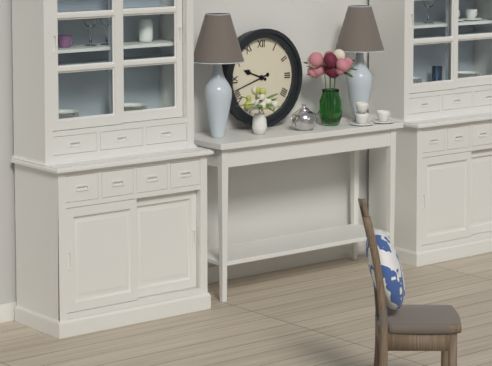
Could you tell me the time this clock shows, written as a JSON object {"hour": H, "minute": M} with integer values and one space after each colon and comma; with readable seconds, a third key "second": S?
{"hour": 9, "minute": 42}
